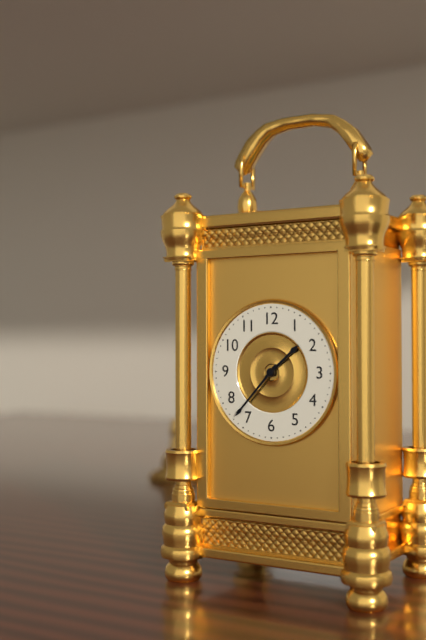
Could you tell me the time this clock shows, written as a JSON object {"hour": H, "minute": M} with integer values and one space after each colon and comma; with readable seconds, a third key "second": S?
{"hour": 1, "minute": 37}
